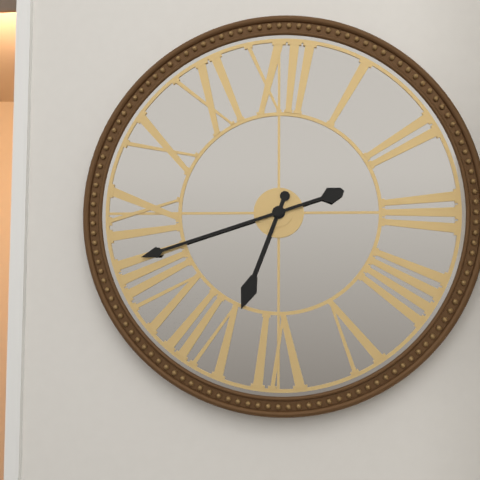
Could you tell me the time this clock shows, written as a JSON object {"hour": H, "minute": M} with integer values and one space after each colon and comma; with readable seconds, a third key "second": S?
{"hour": 6, "minute": 42}
